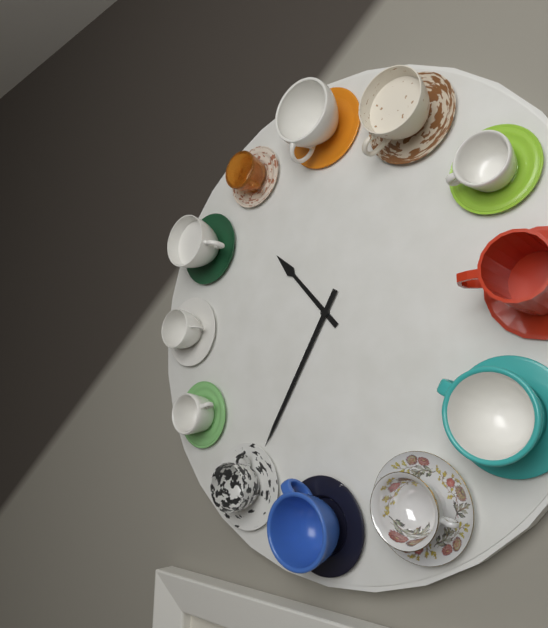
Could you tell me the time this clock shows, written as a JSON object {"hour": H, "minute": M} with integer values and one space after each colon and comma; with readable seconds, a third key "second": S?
{"hour": 10, "minute": 35}
